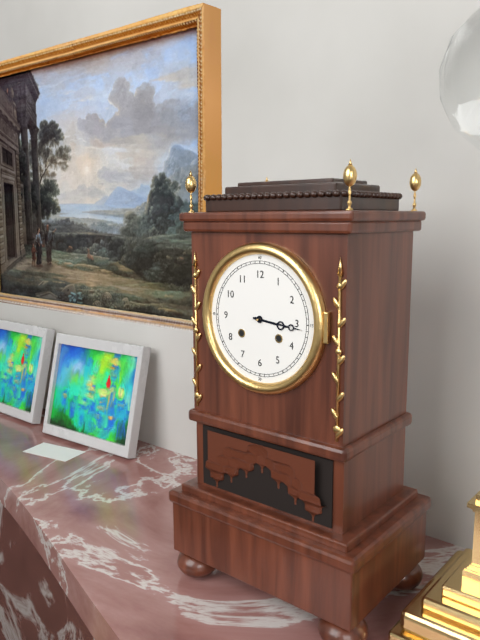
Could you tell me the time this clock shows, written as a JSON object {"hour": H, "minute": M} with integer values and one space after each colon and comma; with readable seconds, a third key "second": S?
{"hour": 3, "minute": 16}
